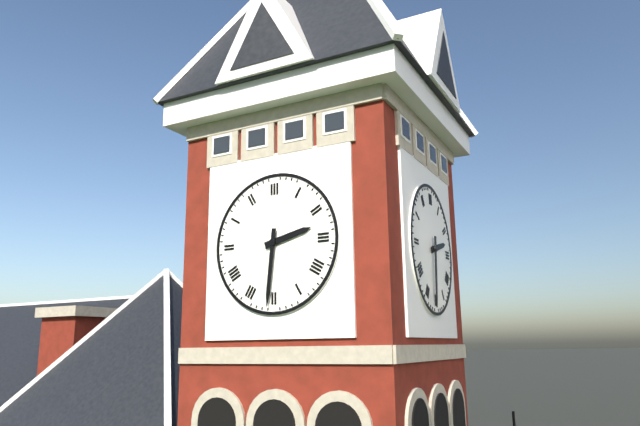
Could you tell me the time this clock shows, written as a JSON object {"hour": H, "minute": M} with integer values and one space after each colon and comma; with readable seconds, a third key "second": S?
{"hour": 2, "minute": 31}
